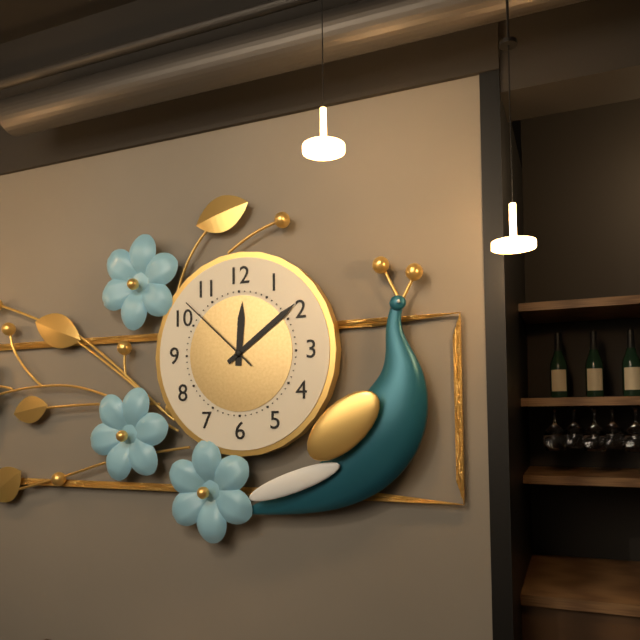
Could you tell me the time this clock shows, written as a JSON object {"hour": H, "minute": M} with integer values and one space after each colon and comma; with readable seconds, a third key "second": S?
{"hour": 12, "minute": 9, "second": 52}
